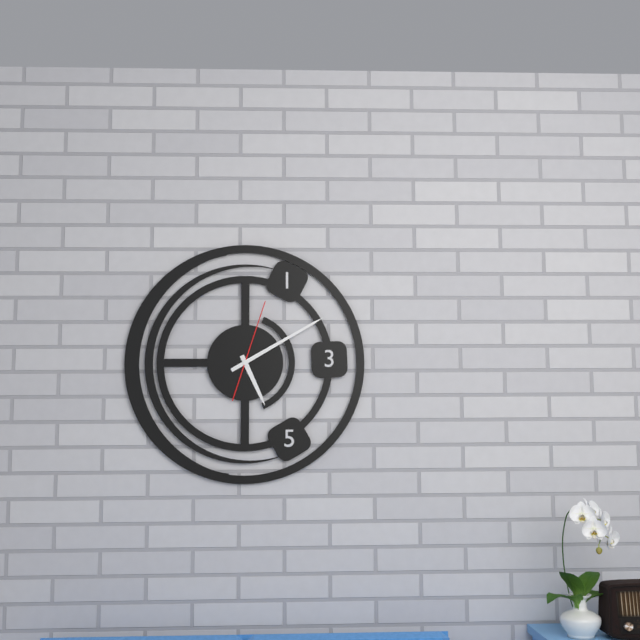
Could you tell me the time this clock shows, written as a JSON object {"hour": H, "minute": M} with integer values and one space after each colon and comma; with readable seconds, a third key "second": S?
{"hour": 5, "minute": 10, "second": 3}
